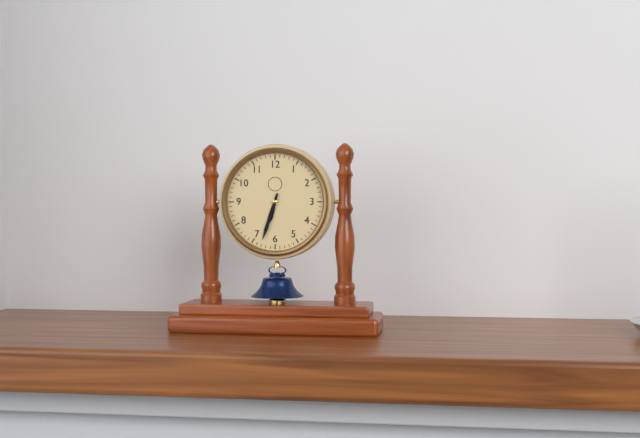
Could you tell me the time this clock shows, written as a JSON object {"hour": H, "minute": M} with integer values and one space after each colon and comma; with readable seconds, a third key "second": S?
{"hour": 6, "minute": 33}
